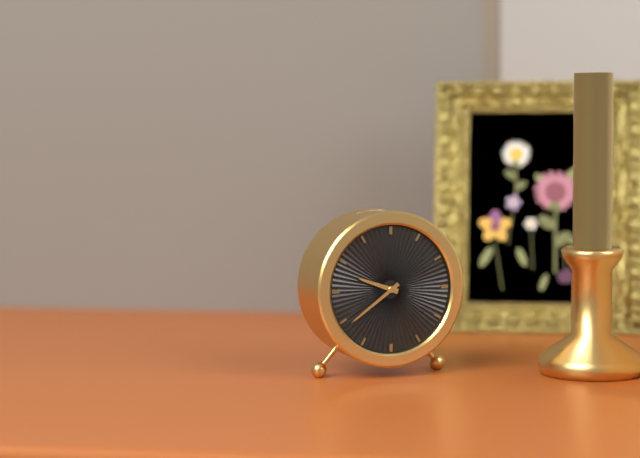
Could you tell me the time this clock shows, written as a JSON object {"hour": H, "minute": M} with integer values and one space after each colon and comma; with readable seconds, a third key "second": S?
{"hour": 9, "minute": 39}
